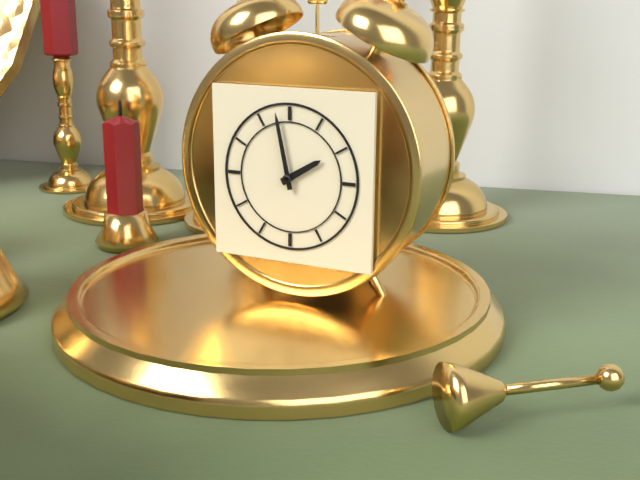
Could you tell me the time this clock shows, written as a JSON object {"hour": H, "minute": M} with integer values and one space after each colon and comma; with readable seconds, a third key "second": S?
{"hour": 1, "minute": 58}
